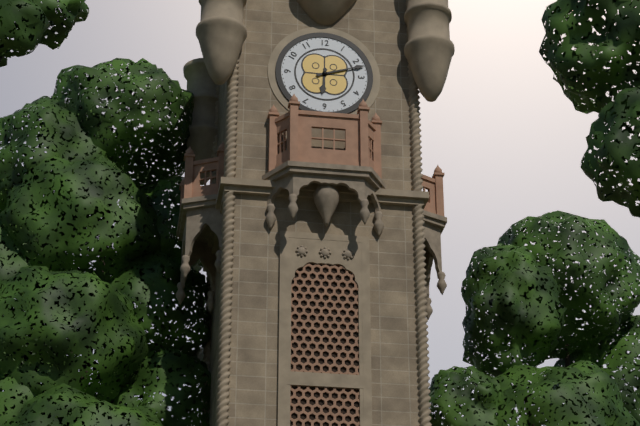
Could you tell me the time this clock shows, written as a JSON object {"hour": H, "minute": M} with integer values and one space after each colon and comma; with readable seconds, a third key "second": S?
{"hour": 6, "minute": 12}
